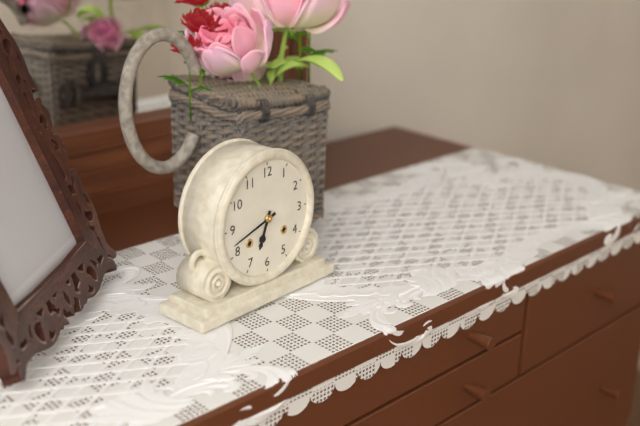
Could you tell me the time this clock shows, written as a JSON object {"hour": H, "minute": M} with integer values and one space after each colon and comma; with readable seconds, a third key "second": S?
{"hour": 6, "minute": 42}
